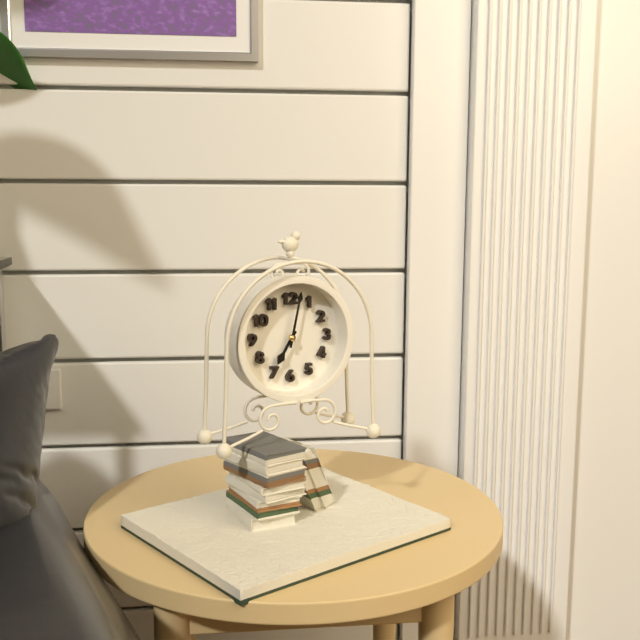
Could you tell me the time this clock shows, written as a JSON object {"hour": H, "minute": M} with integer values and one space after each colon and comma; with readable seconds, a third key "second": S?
{"hour": 7, "minute": 2}
